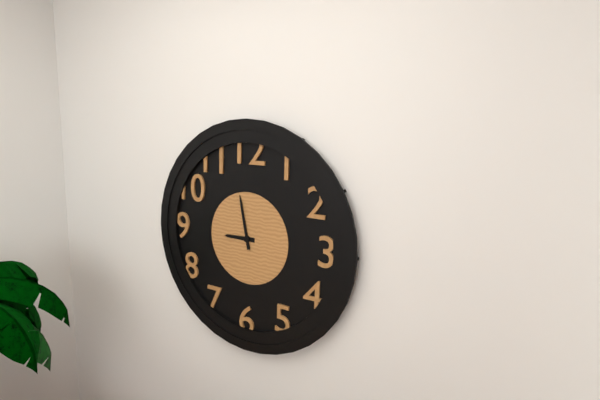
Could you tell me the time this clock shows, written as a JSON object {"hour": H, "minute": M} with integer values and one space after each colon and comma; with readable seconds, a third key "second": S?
{"hour": 8, "minute": 58}
